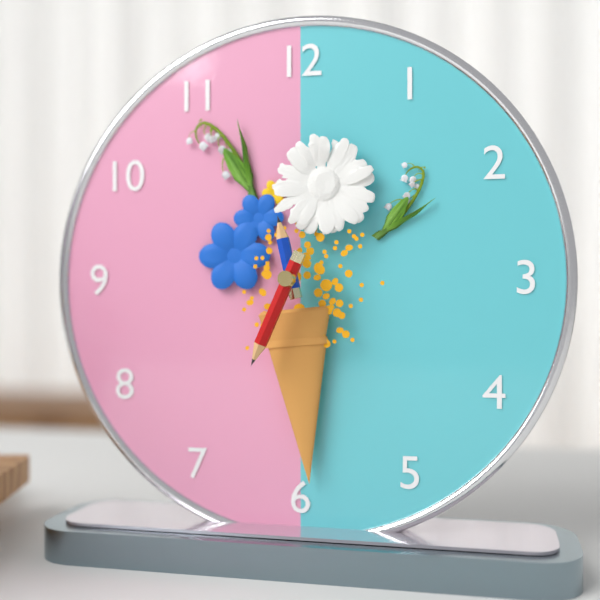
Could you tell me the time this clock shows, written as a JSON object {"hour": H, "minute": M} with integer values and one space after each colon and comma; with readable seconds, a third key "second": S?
{"hour": 11, "minute": 34}
